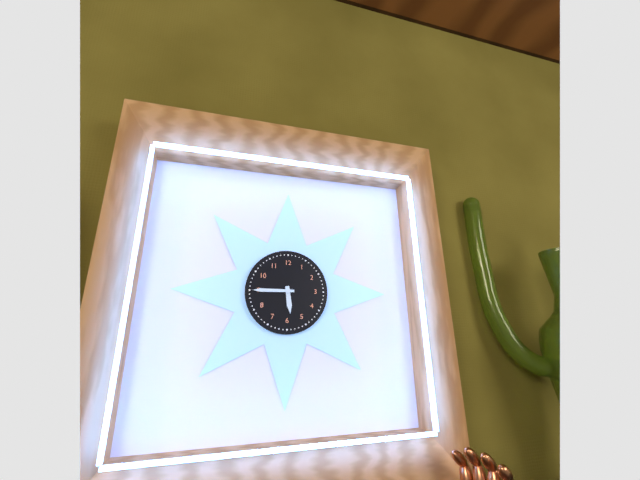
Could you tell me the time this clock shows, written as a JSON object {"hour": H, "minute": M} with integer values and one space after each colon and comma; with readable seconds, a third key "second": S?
{"hour": 5, "minute": 45}
